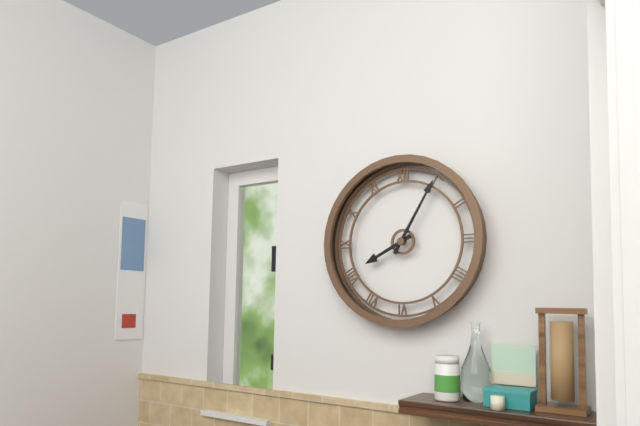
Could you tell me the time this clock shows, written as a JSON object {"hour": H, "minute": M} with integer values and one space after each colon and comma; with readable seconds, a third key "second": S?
{"hour": 8, "minute": 5}
